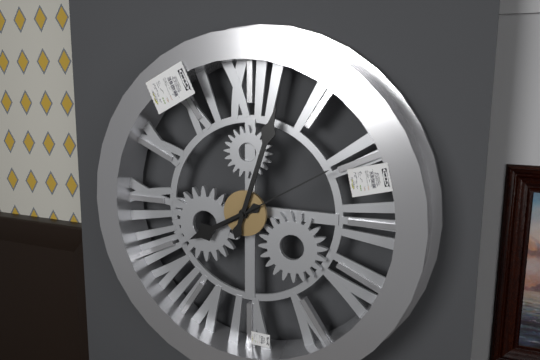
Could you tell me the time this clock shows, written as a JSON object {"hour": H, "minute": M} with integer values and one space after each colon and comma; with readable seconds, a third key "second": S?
{"hour": 8, "minute": 3, "second": 10}
